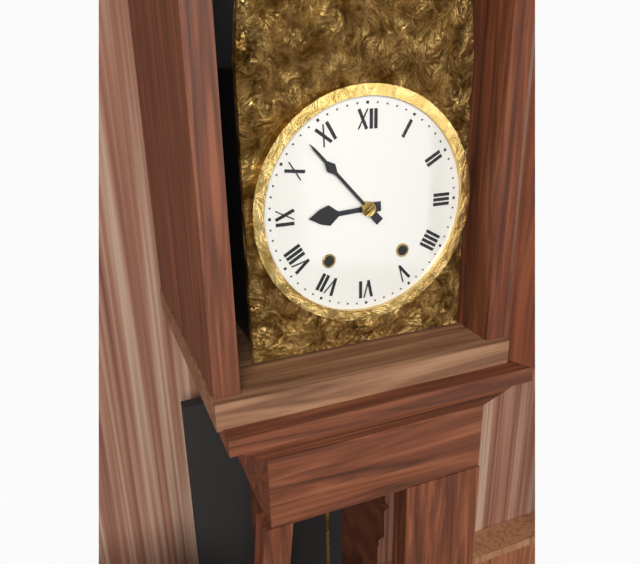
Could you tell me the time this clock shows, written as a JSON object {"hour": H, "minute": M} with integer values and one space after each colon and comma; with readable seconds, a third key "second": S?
{"hour": 8, "minute": 53}
